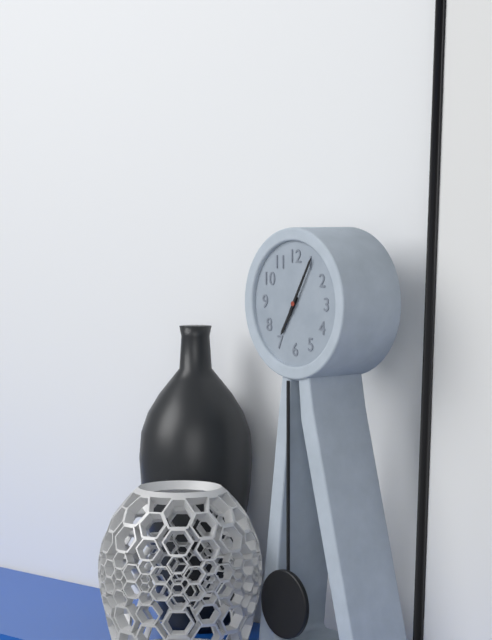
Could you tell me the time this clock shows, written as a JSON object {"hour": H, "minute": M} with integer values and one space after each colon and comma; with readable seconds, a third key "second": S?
{"hour": 7, "minute": 5}
